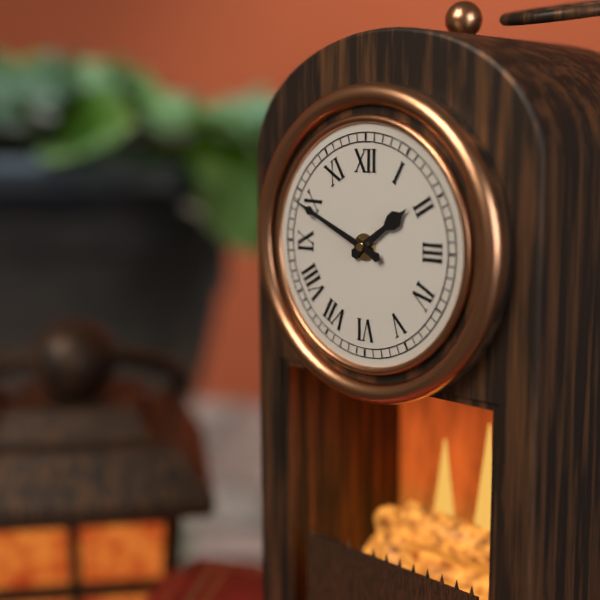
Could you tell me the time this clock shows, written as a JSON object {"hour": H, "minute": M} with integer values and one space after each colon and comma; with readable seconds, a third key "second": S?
{"hour": 1, "minute": 49}
